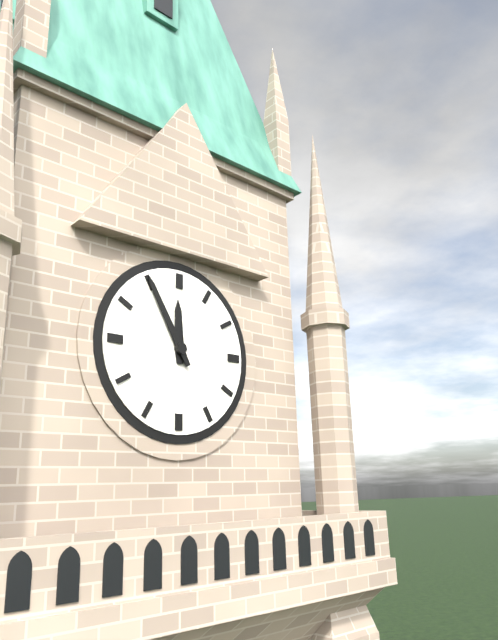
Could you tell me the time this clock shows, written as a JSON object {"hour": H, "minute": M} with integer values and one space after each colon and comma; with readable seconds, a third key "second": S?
{"hour": 11, "minute": 55}
